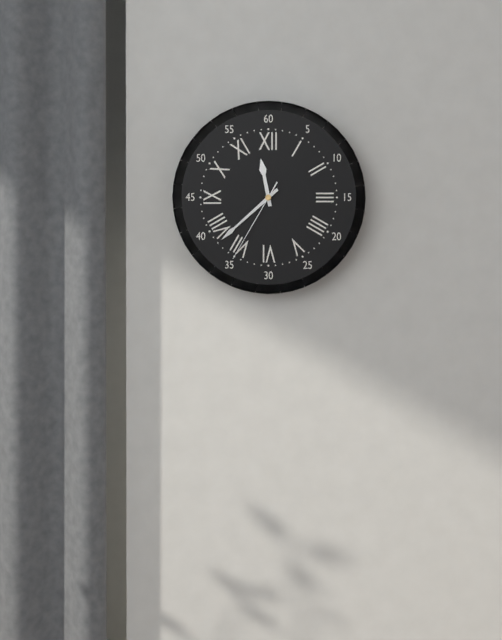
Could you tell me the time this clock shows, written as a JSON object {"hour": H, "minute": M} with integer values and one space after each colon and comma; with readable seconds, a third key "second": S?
{"hour": 11, "minute": 38, "second": 35}
